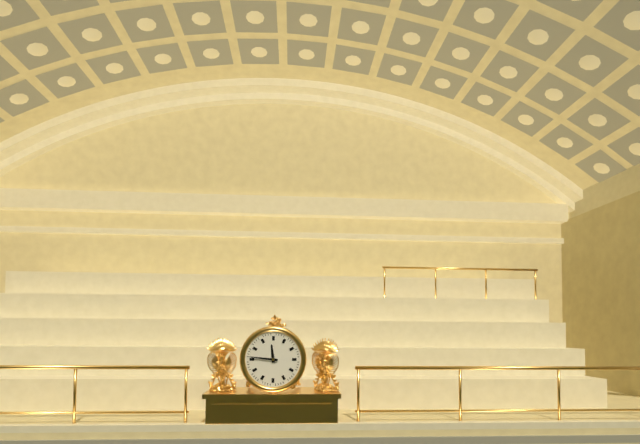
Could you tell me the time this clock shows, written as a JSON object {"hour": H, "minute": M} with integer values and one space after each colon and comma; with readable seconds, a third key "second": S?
{"hour": 11, "minute": 46}
